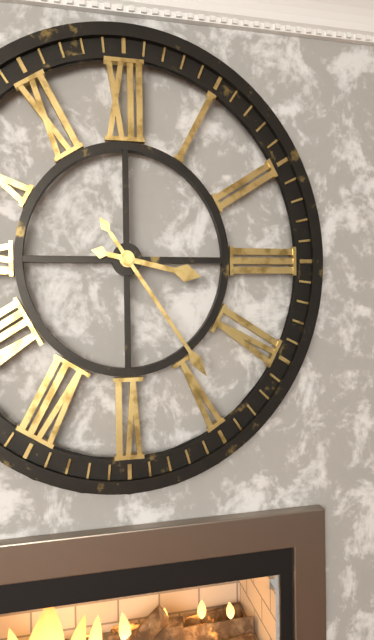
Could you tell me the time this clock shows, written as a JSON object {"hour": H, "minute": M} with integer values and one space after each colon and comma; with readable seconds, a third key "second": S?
{"hour": 3, "minute": 24}
